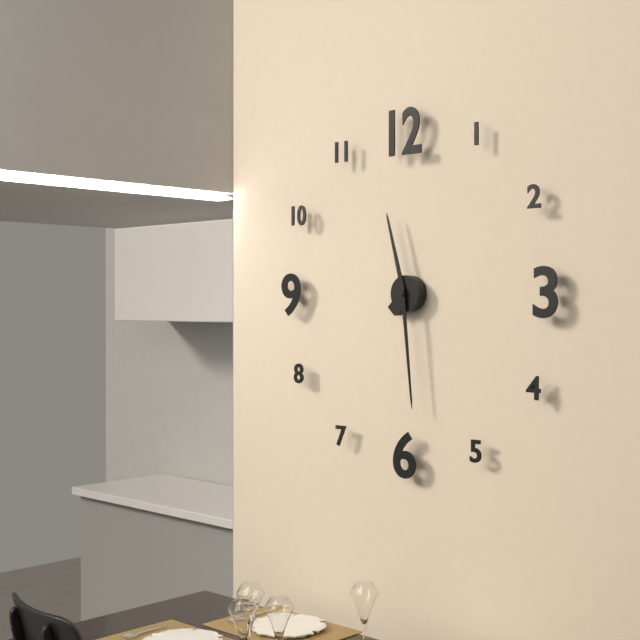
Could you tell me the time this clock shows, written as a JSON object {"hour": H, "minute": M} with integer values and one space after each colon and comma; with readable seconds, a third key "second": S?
{"hour": 11, "minute": 29}
